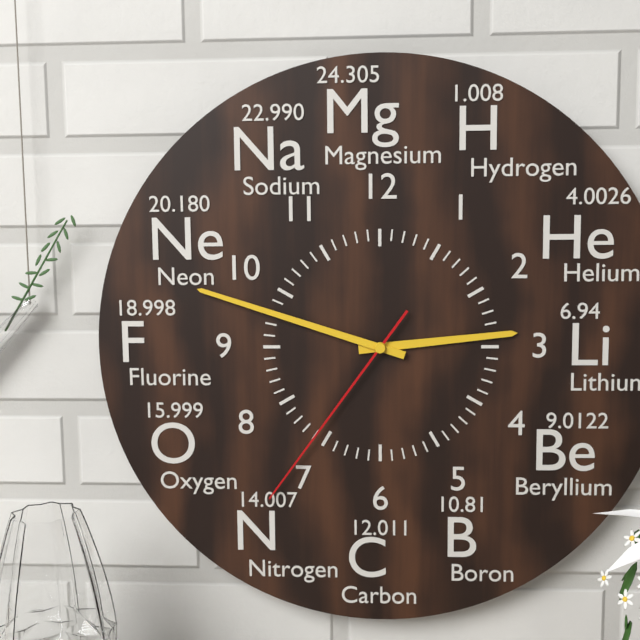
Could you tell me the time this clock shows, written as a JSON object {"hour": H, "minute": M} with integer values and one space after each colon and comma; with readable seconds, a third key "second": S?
{"hour": 2, "minute": 48, "second": 36}
